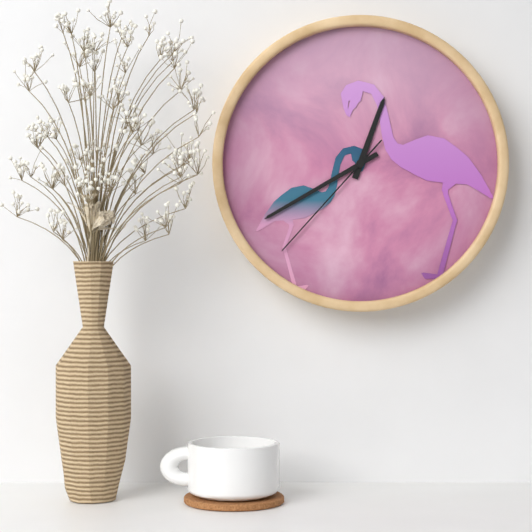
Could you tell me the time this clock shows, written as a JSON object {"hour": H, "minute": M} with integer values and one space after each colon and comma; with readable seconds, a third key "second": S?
{"hour": 12, "minute": 40, "second": 37}
